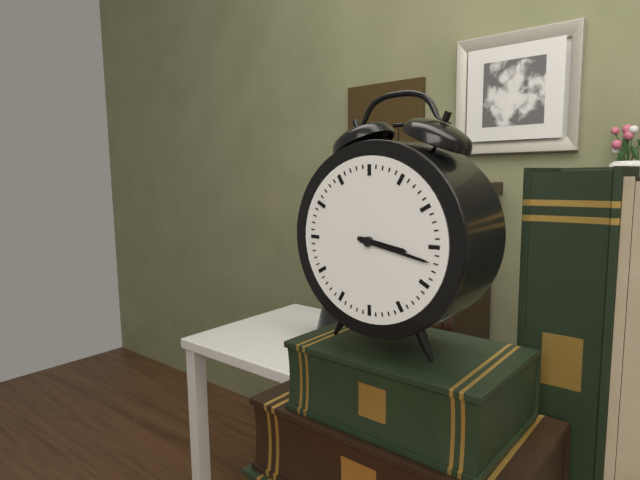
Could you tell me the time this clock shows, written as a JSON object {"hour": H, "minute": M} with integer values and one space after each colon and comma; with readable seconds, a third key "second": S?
{"hour": 3, "minute": 17}
